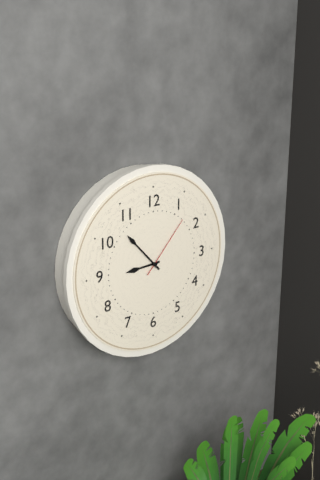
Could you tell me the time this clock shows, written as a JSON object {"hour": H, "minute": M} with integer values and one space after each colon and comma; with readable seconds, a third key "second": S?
{"hour": 8, "minute": 53, "second": 7}
